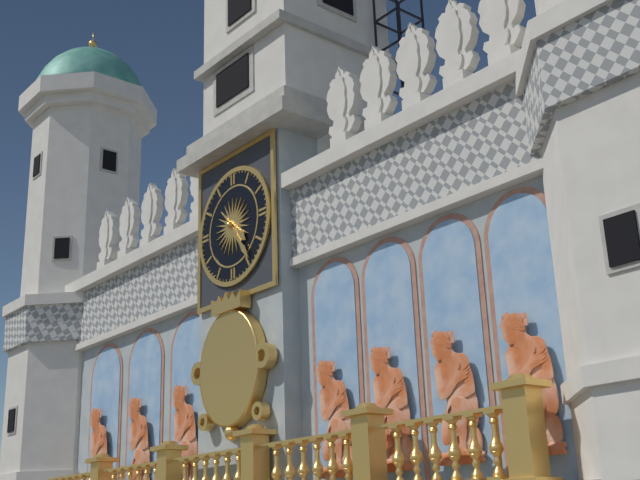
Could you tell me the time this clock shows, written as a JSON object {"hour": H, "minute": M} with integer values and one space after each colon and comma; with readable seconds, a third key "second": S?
{"hour": 4, "minute": 24}
